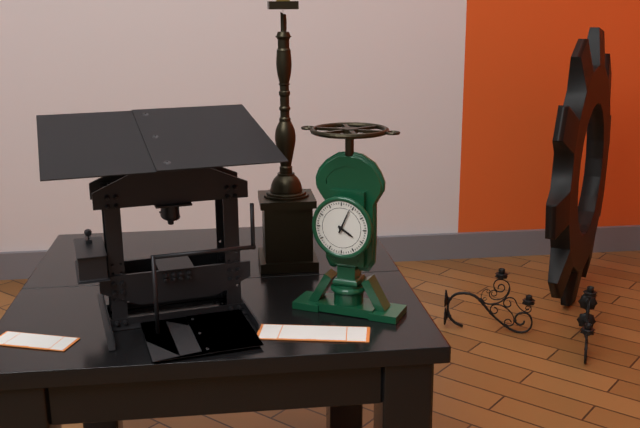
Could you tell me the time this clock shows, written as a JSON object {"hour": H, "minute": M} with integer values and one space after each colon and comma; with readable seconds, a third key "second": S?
{"hour": 4, "minute": 4}
